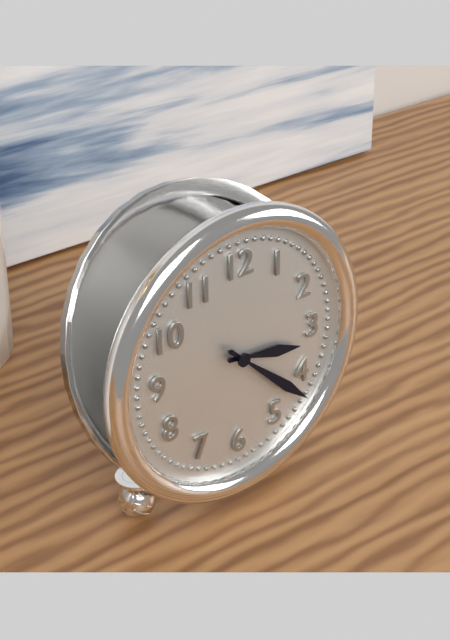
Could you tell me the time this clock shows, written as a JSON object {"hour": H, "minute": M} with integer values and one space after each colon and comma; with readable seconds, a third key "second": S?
{"hour": 3, "minute": 22}
